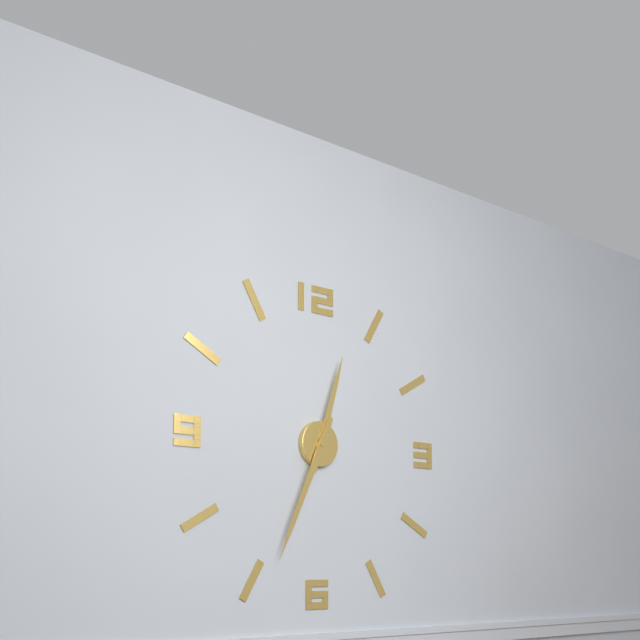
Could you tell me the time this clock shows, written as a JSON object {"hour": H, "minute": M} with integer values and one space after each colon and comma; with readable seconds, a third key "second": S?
{"hour": 12, "minute": 34}
